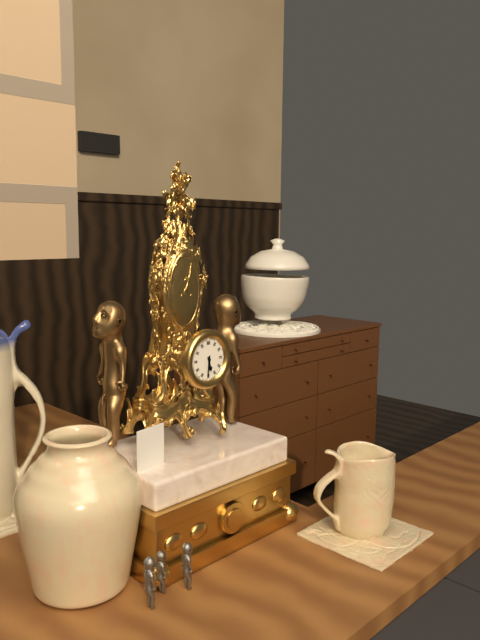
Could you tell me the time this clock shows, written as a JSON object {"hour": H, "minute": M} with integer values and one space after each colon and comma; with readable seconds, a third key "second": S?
{"hour": 5, "minute": 31}
